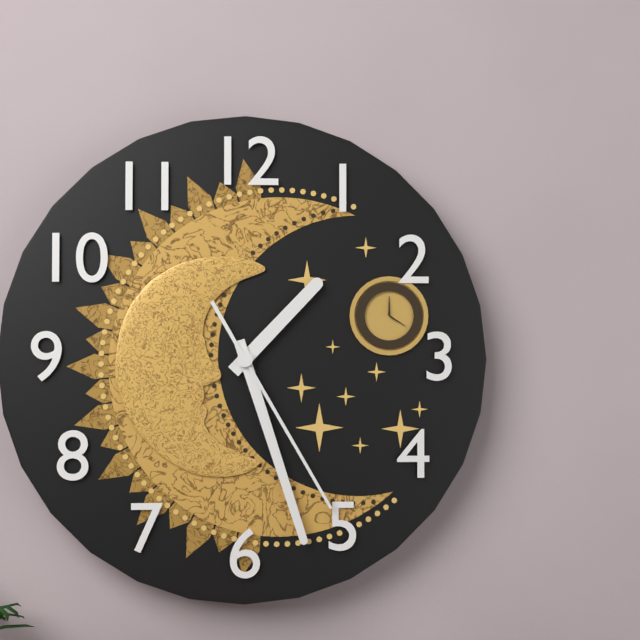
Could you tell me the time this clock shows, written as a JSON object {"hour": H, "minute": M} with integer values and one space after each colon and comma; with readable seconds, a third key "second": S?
{"hour": 1, "minute": 27, "second": 25}
